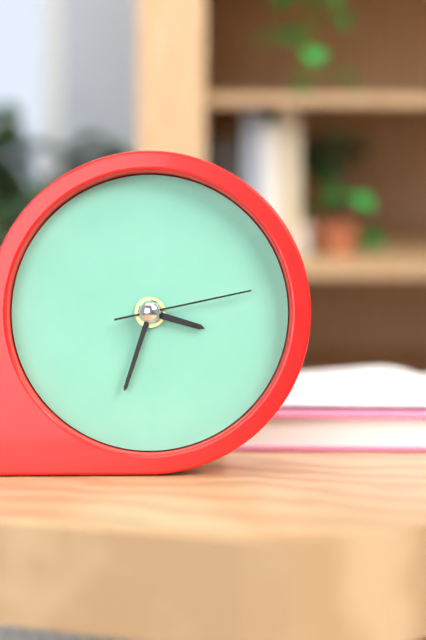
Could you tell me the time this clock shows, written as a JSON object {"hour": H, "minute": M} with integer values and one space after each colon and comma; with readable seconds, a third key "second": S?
{"hour": 3, "minute": 33, "second": 13}
